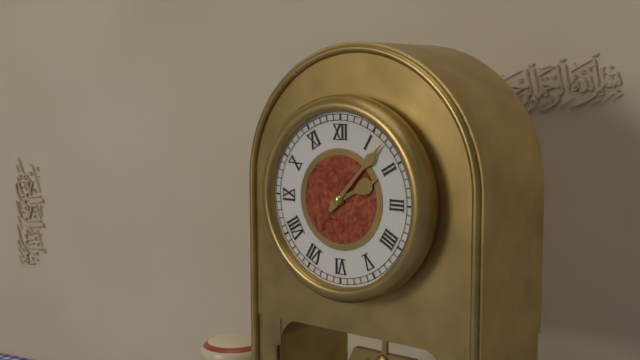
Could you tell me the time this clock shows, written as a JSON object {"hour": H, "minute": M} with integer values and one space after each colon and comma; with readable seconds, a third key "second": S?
{"hour": 2, "minute": 7}
